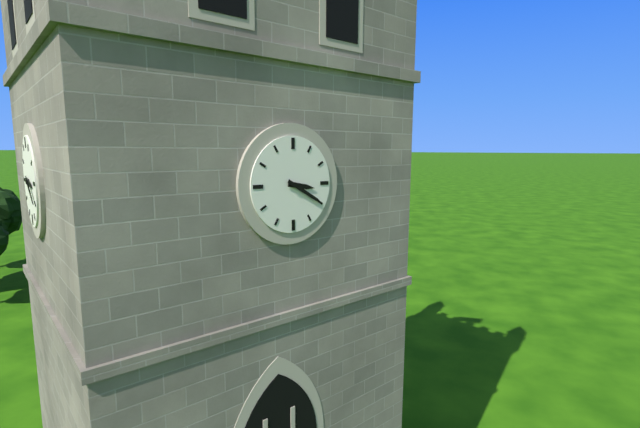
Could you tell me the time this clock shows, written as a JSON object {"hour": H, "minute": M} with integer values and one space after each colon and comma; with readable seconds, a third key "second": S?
{"hour": 3, "minute": 20}
